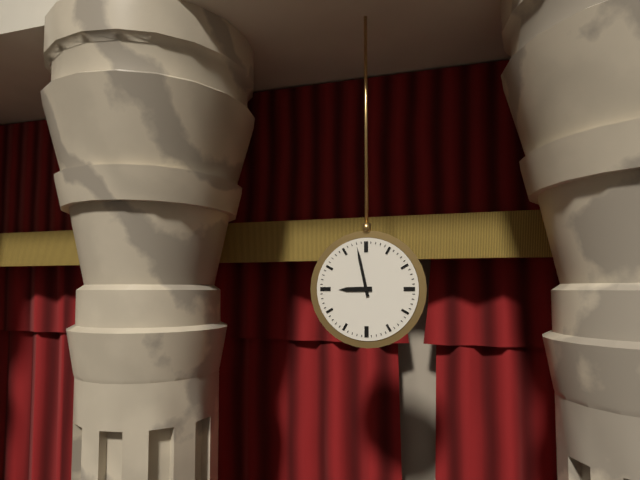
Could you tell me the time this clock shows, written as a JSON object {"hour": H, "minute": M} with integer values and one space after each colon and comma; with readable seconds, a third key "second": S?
{"hour": 8, "minute": 58}
